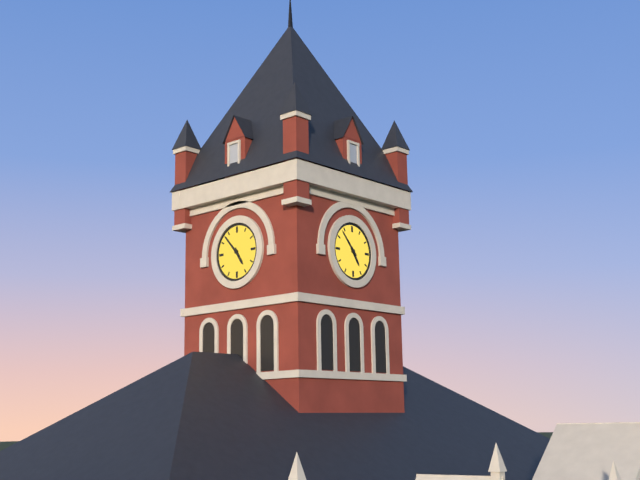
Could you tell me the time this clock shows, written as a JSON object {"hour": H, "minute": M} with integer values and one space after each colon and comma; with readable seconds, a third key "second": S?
{"hour": 4, "minute": 53}
